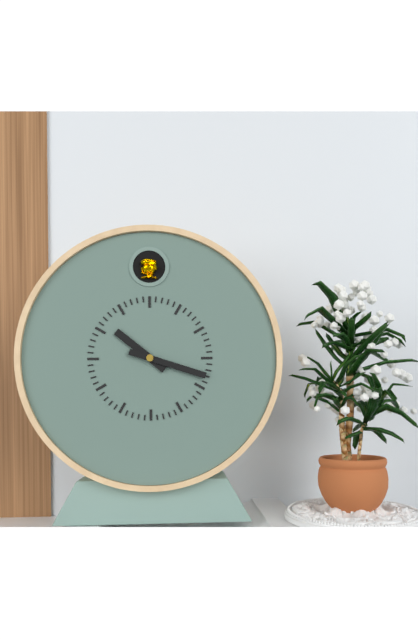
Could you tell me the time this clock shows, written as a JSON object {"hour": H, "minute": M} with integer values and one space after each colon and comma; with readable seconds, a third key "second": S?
{"hour": 10, "minute": 18}
